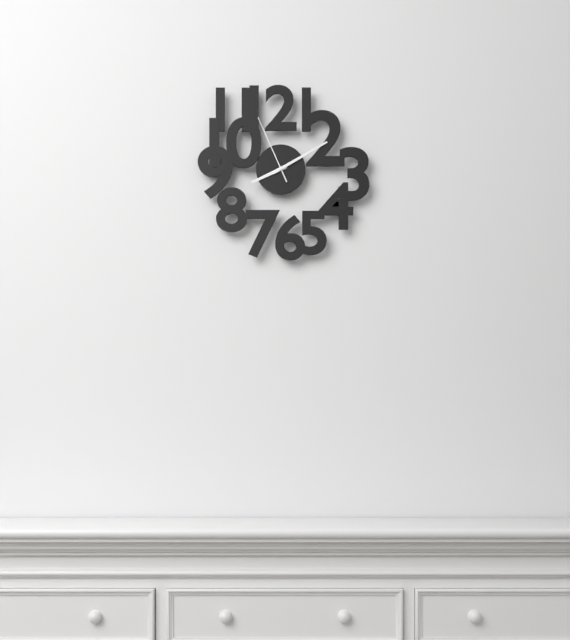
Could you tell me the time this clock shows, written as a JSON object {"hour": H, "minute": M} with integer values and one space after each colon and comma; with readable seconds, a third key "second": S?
{"hour": 8, "minute": 10, "second": 56}
